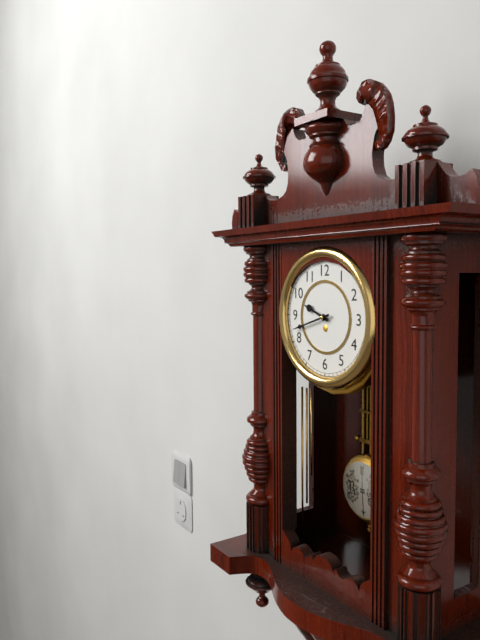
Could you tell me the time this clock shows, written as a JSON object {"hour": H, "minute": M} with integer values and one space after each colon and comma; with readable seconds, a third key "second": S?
{"hour": 9, "minute": 42}
